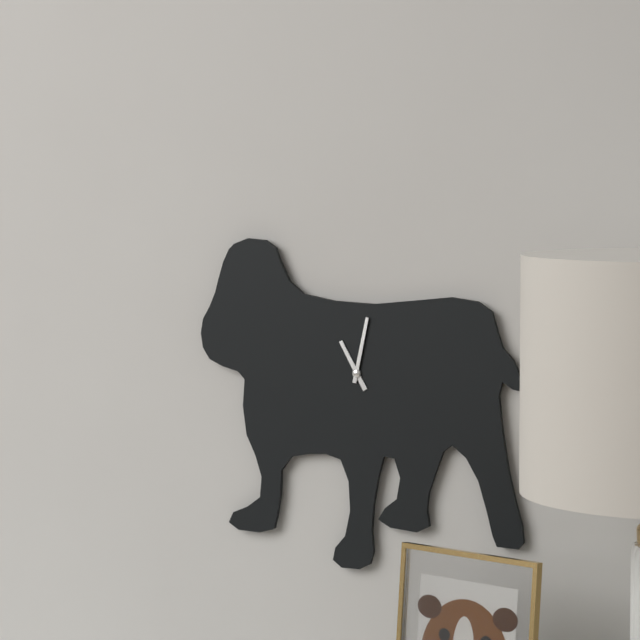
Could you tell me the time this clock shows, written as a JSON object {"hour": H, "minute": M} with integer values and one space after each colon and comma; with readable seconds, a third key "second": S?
{"hour": 11, "minute": 2}
